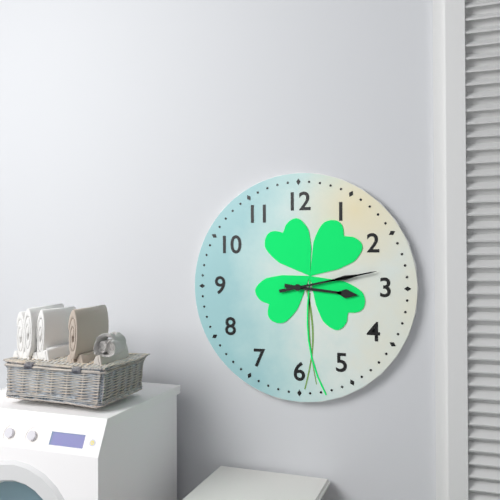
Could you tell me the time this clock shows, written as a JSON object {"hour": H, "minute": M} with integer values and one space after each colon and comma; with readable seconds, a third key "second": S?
{"hour": 3, "minute": 13}
